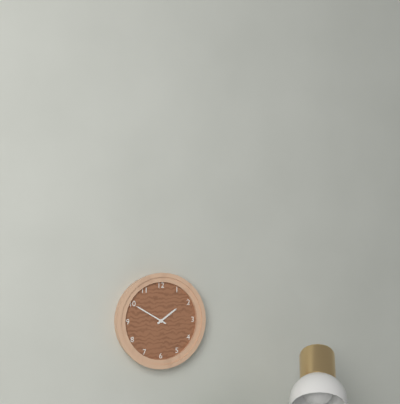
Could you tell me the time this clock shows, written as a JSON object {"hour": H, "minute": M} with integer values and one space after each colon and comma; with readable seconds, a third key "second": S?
{"hour": 1, "minute": 50}
